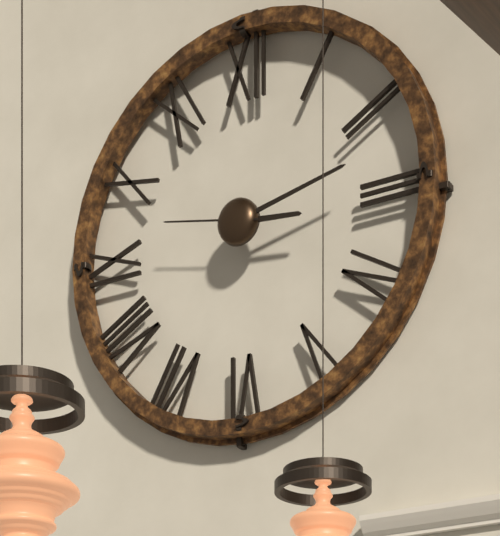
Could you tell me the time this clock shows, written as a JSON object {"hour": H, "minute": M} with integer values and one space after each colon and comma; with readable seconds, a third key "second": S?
{"hour": 3, "minute": 13, "second": 47}
